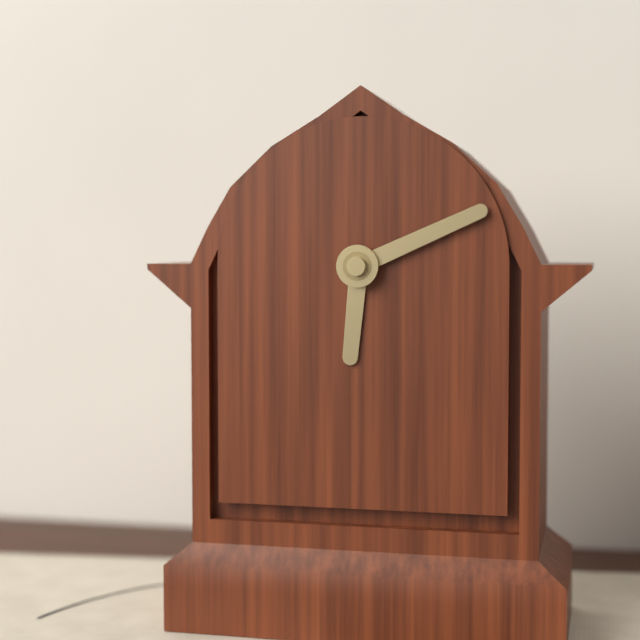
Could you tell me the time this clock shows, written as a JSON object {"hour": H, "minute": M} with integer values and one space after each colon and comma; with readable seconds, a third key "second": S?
{"hour": 6, "minute": 11}
